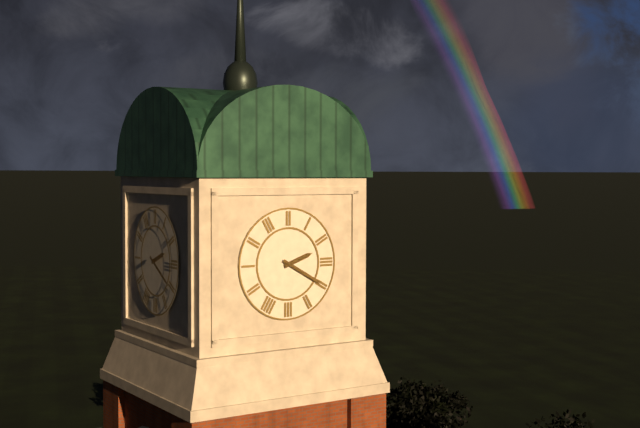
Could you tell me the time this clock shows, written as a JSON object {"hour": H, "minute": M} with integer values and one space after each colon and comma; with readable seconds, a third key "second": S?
{"hour": 2, "minute": 20}
